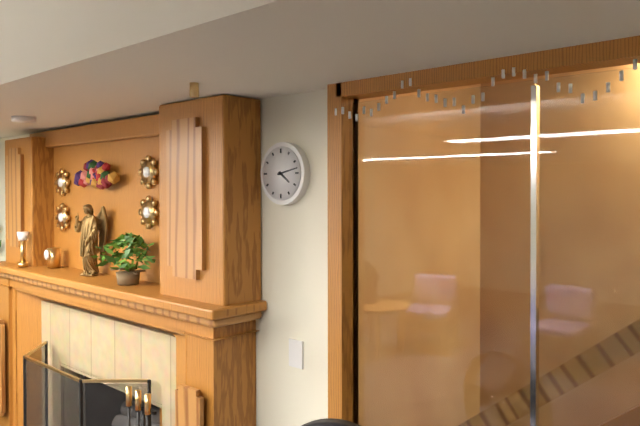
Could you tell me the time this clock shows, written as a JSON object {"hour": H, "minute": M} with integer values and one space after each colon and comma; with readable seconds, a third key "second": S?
{"hour": 4, "minute": 13}
